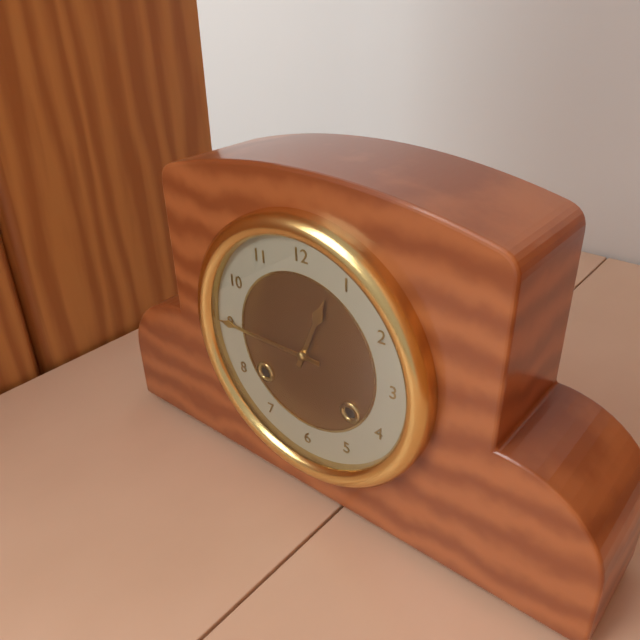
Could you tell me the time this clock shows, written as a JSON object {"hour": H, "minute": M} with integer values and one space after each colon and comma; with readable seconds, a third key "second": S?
{"hour": 12, "minute": 45}
